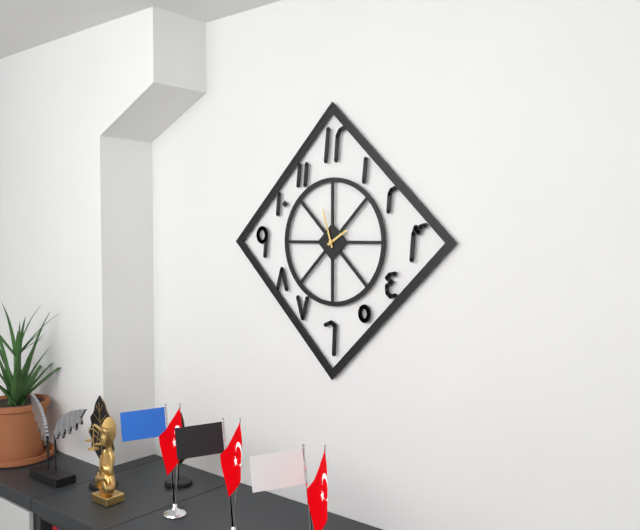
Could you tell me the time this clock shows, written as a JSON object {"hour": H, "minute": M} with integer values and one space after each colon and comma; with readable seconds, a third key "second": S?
{"hour": 1, "minute": 57}
